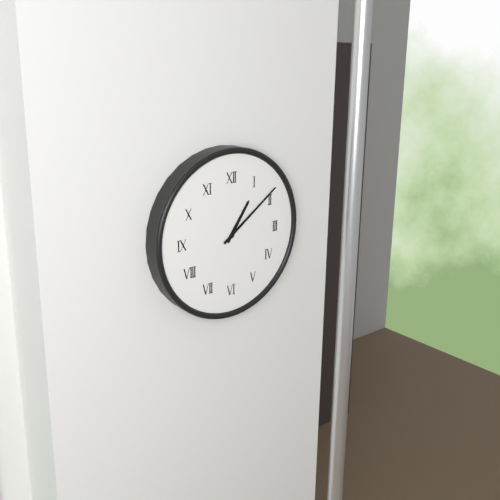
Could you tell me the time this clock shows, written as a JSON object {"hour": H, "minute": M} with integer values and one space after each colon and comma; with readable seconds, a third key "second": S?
{"hour": 1, "minute": 9}
